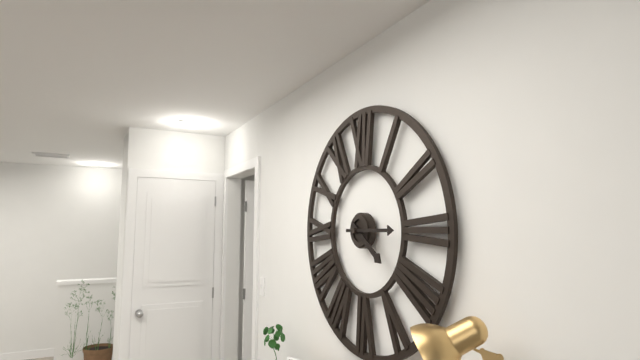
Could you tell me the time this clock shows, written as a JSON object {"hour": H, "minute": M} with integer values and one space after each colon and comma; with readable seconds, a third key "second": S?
{"hour": 4, "minute": 15}
